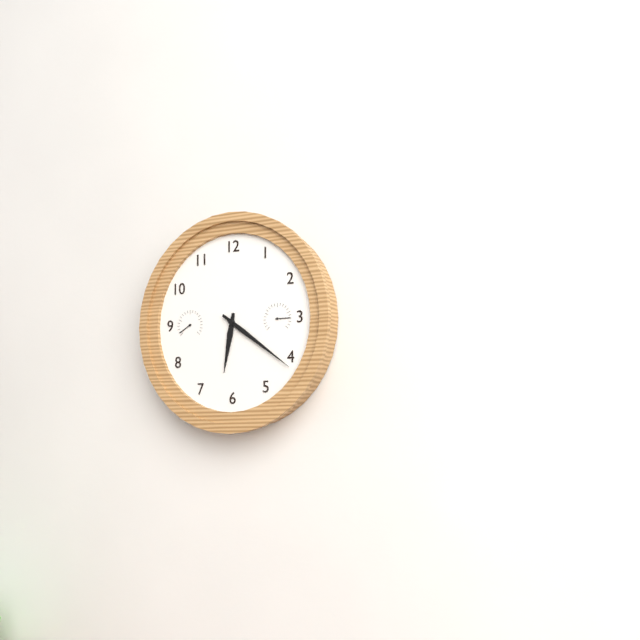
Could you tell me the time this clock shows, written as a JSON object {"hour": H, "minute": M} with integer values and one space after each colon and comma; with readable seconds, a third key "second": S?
{"hour": 6, "minute": 21}
